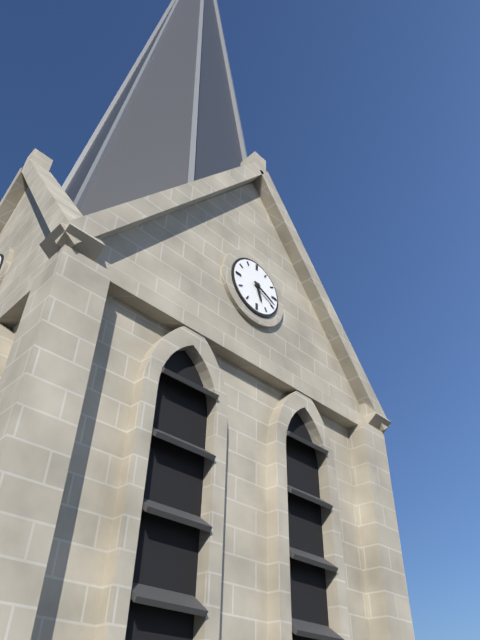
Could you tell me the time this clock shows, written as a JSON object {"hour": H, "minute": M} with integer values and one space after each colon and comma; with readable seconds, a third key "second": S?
{"hour": 5, "minute": 19}
